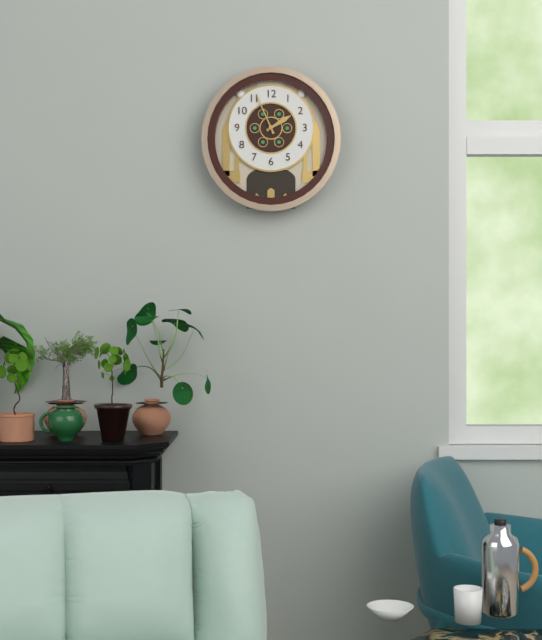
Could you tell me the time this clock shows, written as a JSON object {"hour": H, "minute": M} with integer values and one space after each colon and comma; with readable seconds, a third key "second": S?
{"hour": 1, "minute": 56}
